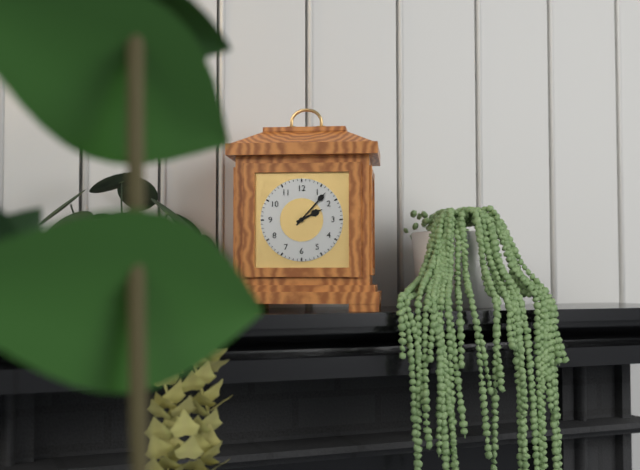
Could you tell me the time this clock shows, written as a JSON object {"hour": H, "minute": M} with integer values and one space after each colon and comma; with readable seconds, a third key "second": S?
{"hour": 2, "minute": 7}
